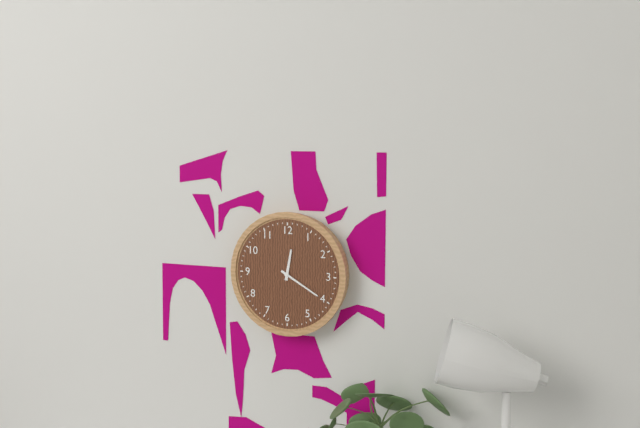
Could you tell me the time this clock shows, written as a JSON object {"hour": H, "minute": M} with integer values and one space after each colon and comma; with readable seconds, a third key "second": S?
{"hour": 12, "minute": 20}
